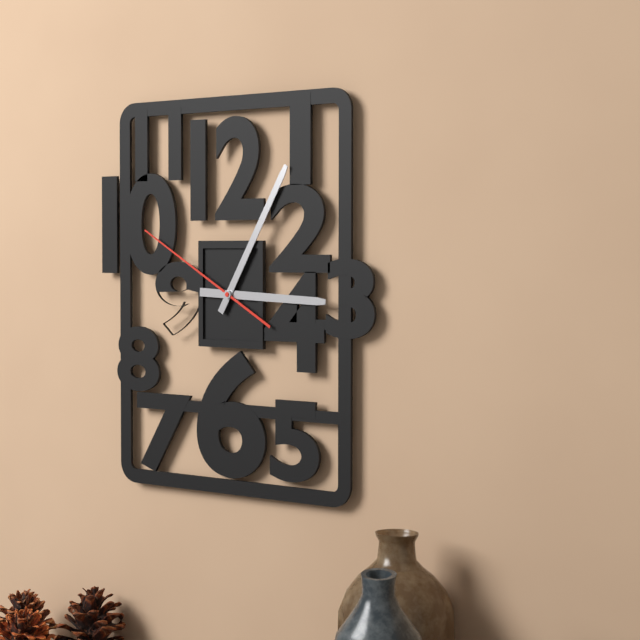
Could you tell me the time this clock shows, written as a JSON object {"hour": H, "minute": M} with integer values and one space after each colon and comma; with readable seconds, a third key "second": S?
{"hour": 3, "minute": 5, "second": 50}
